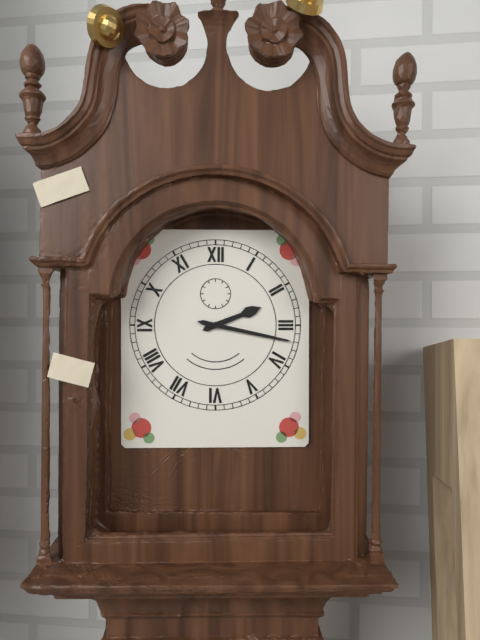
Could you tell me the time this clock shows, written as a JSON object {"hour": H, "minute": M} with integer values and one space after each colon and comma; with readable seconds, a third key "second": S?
{"hour": 2, "minute": 17}
